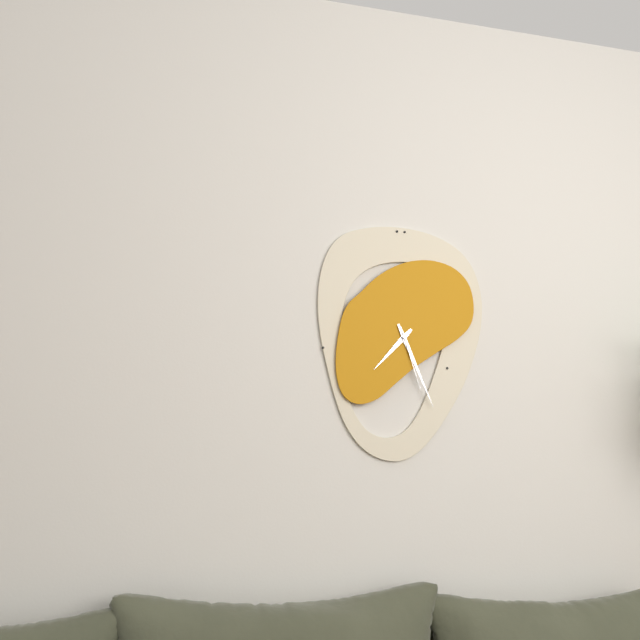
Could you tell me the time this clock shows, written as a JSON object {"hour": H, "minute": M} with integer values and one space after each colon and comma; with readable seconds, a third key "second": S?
{"hour": 7, "minute": 26, "second": 27}
